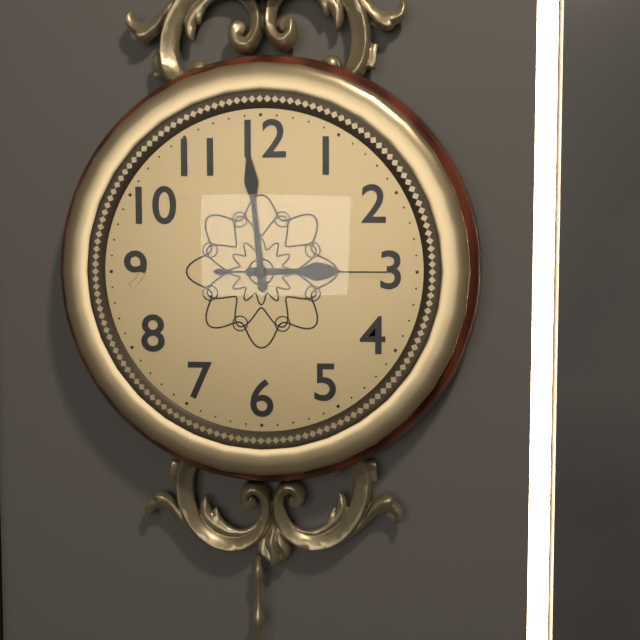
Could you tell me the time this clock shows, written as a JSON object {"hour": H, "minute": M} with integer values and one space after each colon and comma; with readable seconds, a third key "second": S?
{"hour": 2, "minute": 59, "second": 15}
